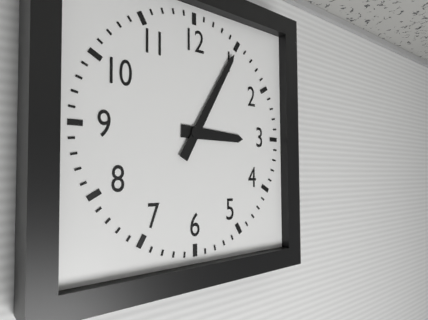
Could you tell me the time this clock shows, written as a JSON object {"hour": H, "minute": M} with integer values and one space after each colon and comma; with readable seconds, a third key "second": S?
{"hour": 3, "minute": 5}
